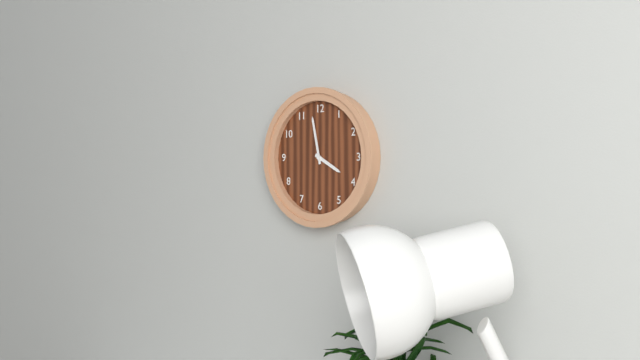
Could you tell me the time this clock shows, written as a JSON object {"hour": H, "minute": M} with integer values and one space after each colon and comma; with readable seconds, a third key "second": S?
{"hour": 3, "minute": 58}
